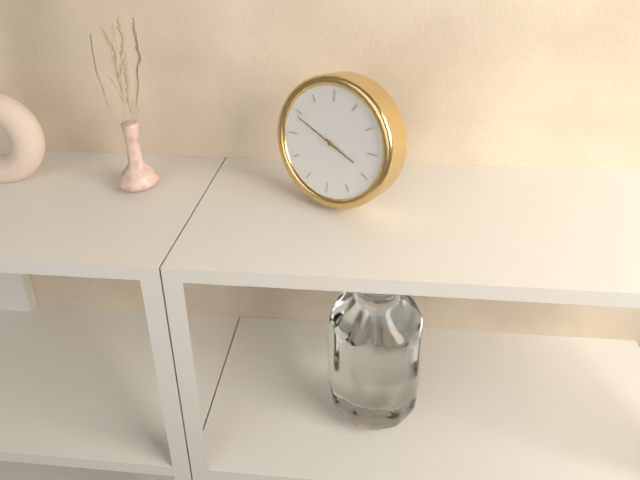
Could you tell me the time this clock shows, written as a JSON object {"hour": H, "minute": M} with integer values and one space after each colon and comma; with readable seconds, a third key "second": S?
{"hour": 3, "minute": 49}
